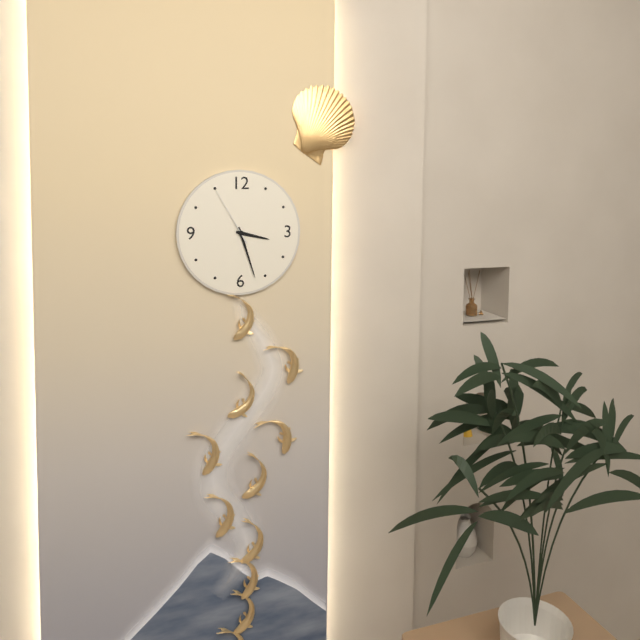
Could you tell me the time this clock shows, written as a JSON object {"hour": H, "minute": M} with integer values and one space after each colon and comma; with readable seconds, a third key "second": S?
{"hour": 3, "minute": 27, "second": 55}
